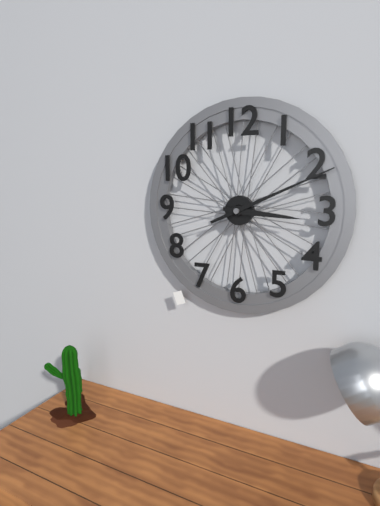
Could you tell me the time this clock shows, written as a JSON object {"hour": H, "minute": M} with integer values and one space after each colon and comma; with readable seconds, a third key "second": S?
{"hour": 3, "minute": 11}
